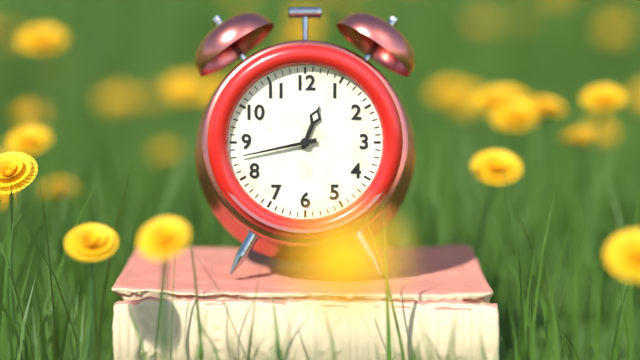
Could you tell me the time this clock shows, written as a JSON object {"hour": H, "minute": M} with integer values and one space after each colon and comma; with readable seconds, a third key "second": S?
{"hour": 12, "minute": 43}
